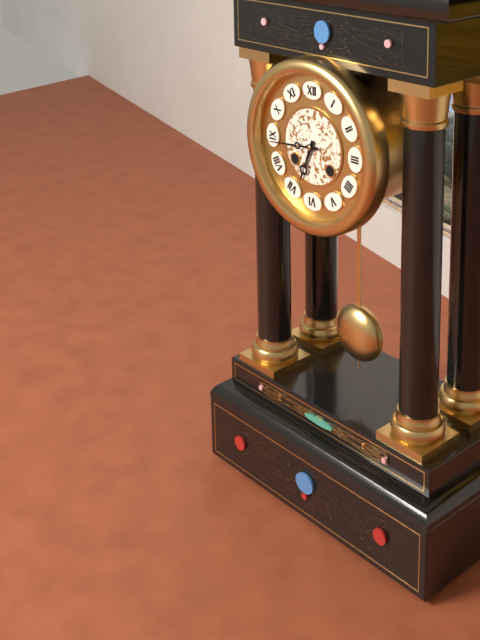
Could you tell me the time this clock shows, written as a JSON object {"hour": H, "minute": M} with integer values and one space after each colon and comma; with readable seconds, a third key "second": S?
{"hour": 6, "minute": 44}
